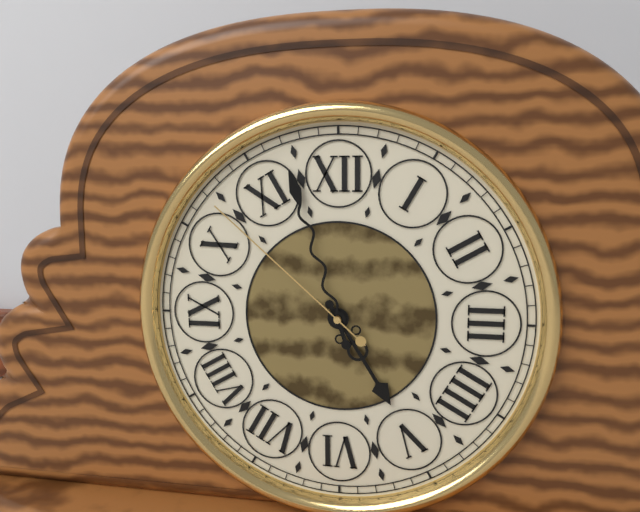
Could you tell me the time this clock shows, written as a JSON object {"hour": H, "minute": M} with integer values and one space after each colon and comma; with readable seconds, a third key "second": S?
{"hour": 4, "minute": 57, "second": 52}
